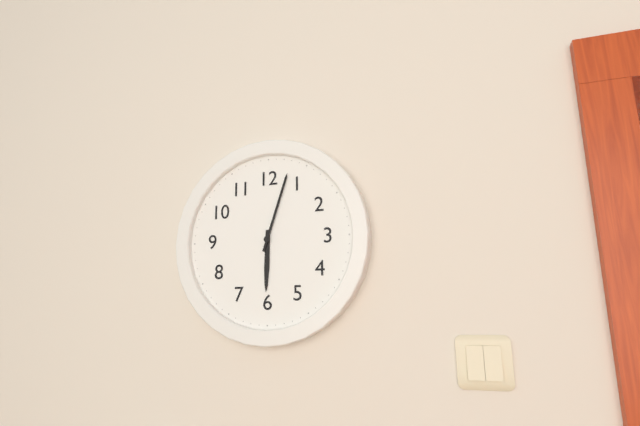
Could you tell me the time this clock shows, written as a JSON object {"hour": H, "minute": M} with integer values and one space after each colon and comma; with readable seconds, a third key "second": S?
{"hour": 6, "minute": 3}
